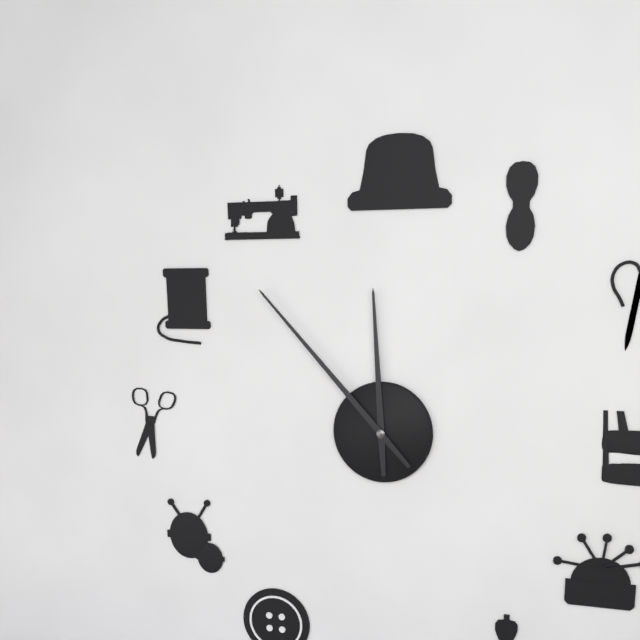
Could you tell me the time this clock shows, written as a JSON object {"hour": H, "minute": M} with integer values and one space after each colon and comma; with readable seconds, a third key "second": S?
{"hour": 11, "minute": 53}
